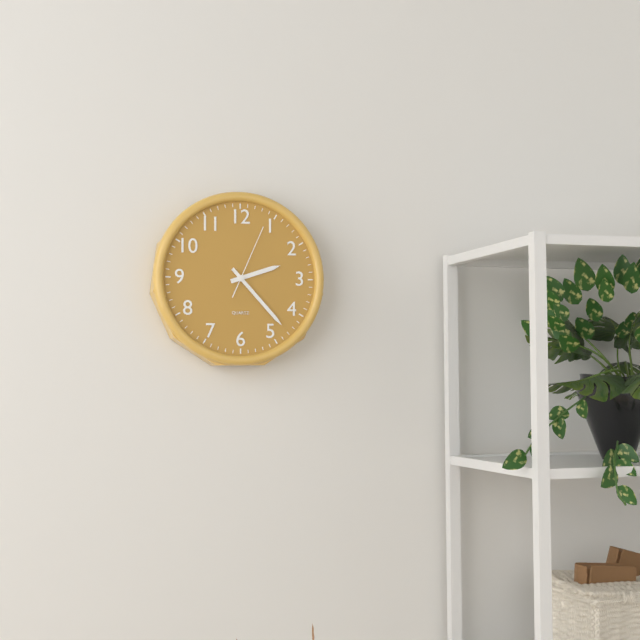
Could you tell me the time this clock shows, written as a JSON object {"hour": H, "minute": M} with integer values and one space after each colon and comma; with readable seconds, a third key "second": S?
{"hour": 2, "minute": 23, "second": 4}
